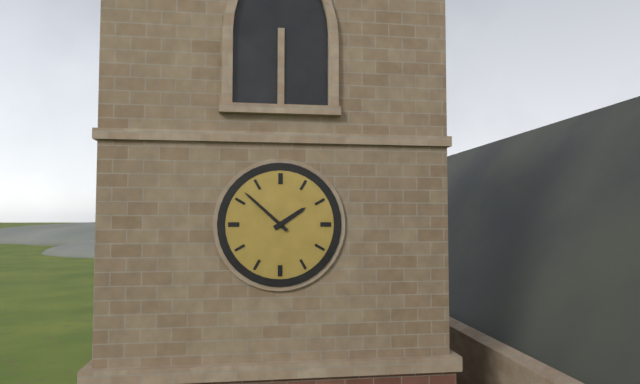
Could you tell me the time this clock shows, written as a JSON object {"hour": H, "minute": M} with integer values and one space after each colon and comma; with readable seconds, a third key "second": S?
{"hour": 1, "minute": 52}
